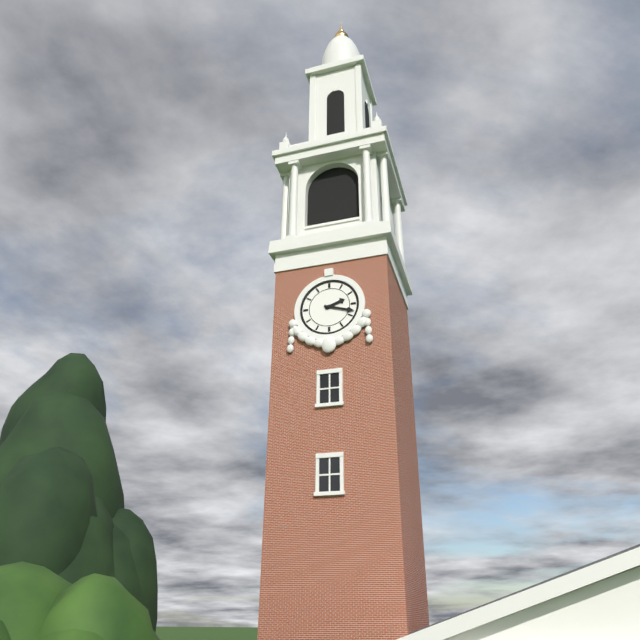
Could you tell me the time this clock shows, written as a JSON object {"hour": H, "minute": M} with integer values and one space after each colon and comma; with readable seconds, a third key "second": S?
{"hour": 2, "minute": 18}
